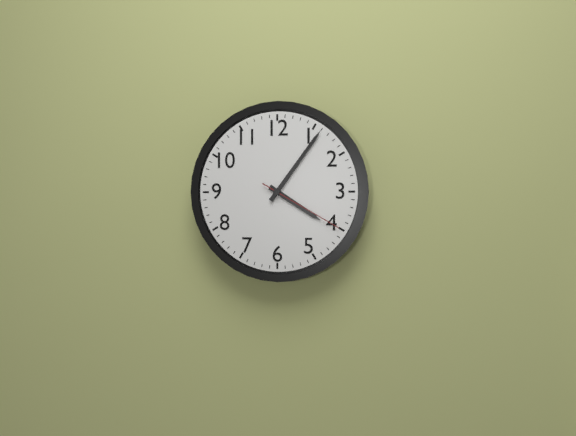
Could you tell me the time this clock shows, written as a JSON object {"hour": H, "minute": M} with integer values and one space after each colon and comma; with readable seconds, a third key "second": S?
{"hour": 4, "minute": 6, "second": 20}
